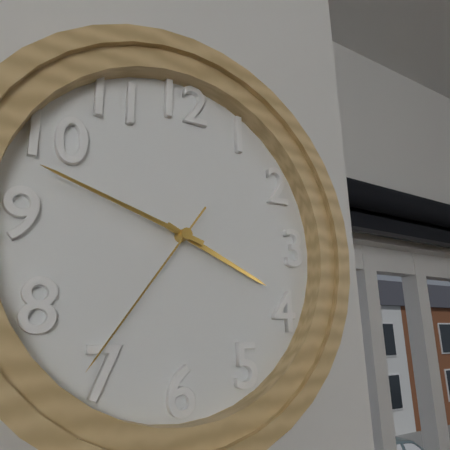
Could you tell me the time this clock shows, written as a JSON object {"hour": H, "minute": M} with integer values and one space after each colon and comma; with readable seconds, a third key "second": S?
{"hour": 3, "minute": 48, "second": 36}
